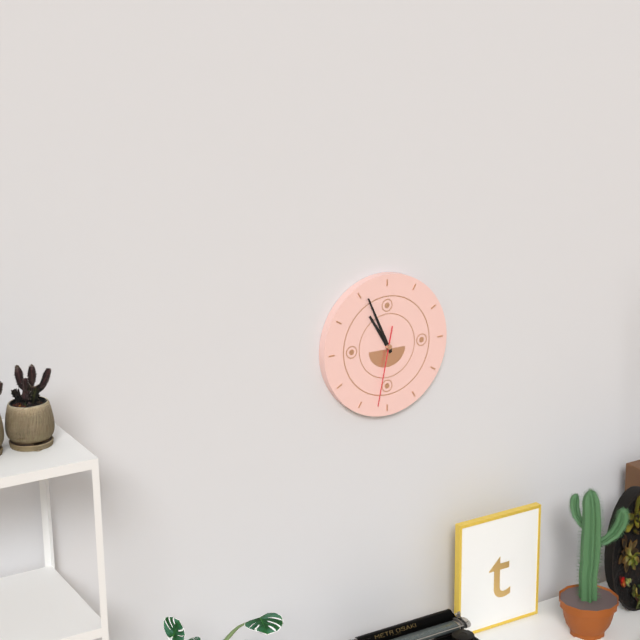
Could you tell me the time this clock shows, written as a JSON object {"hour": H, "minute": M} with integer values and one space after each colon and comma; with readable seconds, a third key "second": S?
{"hour": 10, "minute": 56, "second": 32}
